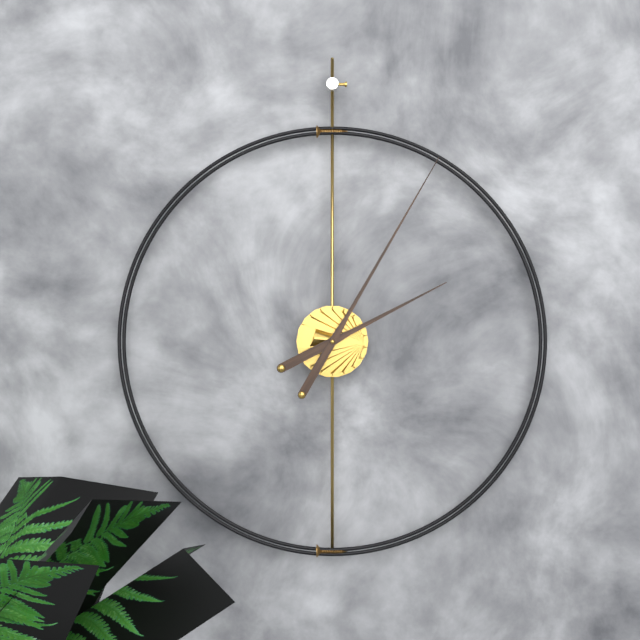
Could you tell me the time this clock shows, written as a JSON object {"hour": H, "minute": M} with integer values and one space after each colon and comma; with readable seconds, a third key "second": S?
{"hour": 2, "minute": 5}
